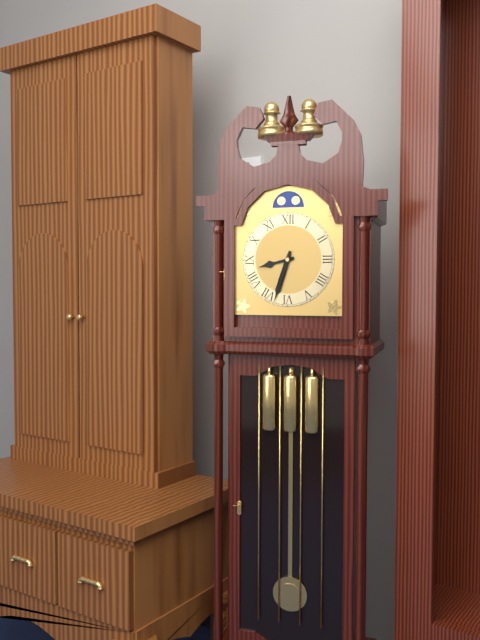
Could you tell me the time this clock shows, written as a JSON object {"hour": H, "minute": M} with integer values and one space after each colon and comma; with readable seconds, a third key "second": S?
{"hour": 8, "minute": 33}
